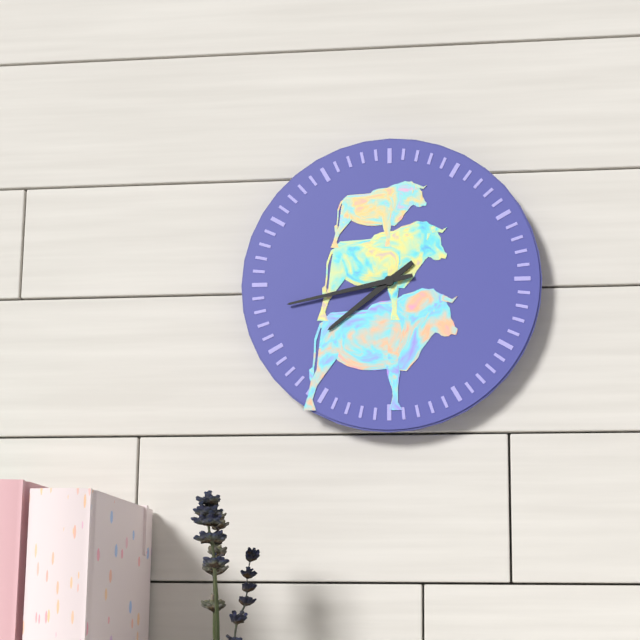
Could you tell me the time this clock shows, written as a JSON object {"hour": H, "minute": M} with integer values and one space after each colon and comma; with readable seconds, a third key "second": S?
{"hour": 7, "minute": 43}
